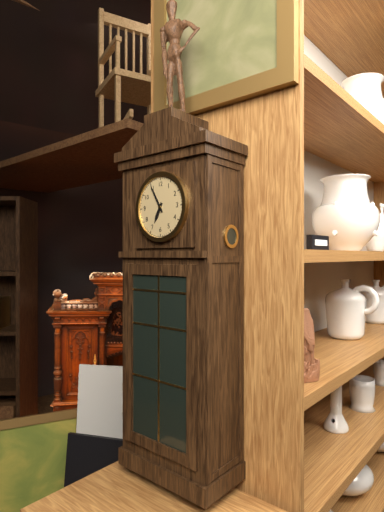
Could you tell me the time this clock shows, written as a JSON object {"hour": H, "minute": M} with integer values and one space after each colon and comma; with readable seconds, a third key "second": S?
{"hour": 6, "minute": 55}
